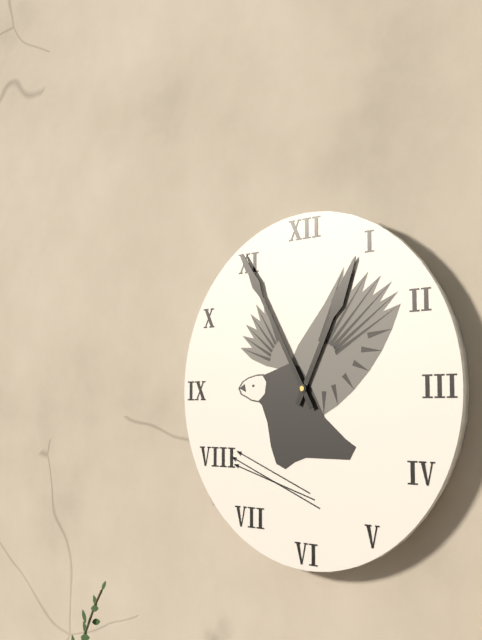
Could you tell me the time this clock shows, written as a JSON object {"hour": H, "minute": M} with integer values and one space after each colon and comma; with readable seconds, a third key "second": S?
{"hour": 12, "minute": 55}
